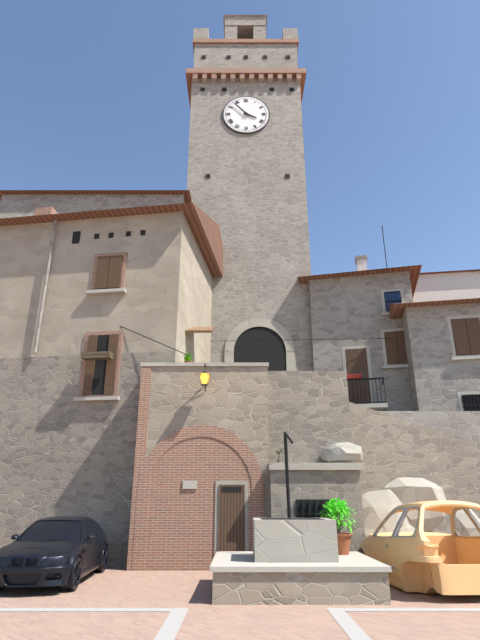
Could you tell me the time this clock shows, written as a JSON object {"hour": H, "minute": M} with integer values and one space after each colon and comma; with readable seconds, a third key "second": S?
{"hour": 3, "minute": 53}
